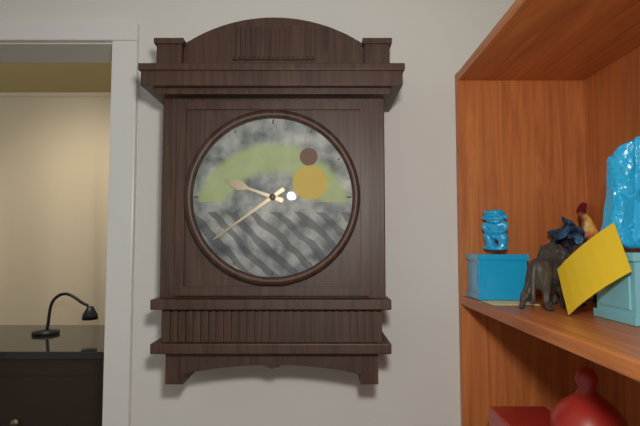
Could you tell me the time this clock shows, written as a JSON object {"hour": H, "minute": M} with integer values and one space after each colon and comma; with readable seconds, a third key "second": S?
{"hour": 9, "minute": 39}
